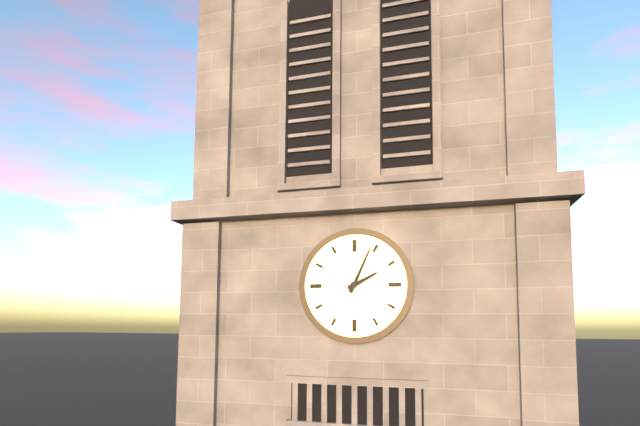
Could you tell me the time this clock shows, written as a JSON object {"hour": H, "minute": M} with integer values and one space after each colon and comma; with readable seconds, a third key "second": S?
{"hour": 2, "minute": 4}
